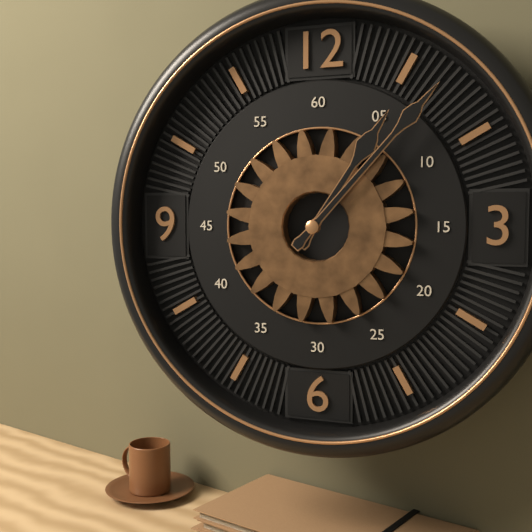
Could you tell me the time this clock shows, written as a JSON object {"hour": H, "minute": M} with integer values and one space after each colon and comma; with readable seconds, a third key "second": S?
{"hour": 1, "minute": 7}
